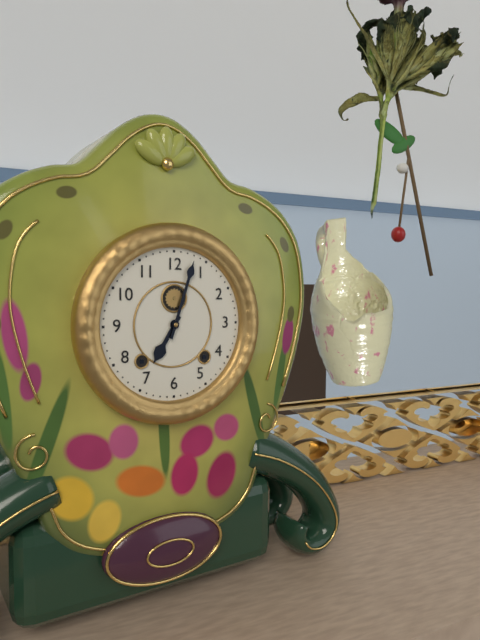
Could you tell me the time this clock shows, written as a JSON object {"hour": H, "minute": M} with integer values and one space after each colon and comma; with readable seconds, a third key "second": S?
{"hour": 7, "minute": 3}
